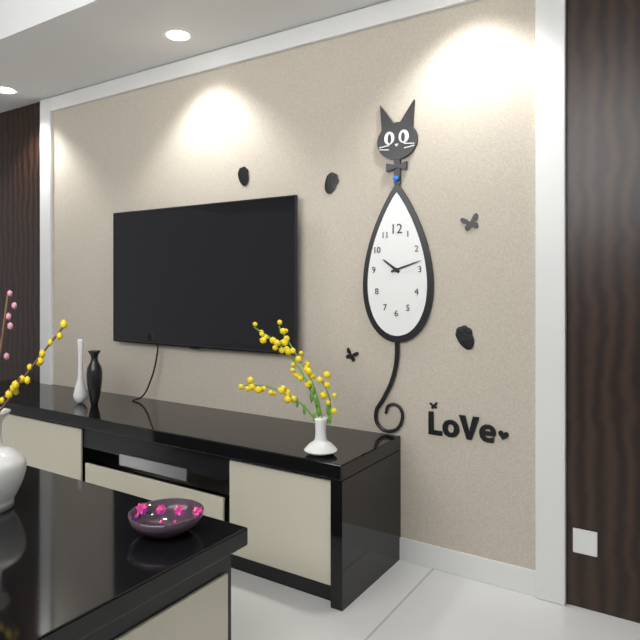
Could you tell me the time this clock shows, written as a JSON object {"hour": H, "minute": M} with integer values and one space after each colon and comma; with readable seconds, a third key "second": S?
{"hour": 10, "minute": 12}
